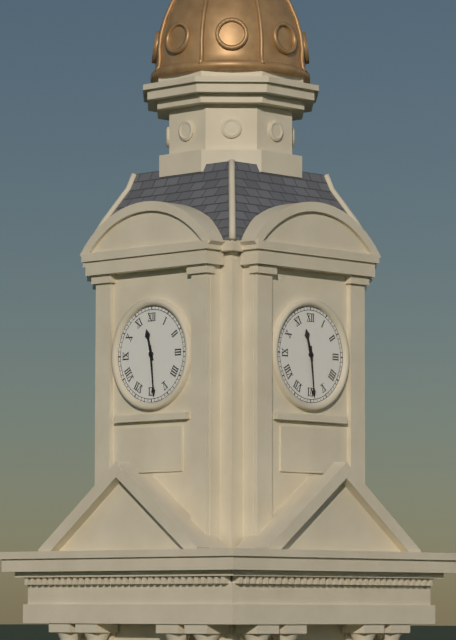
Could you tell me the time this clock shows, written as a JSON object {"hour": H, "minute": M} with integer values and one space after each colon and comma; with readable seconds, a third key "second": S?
{"hour": 11, "minute": 29}
